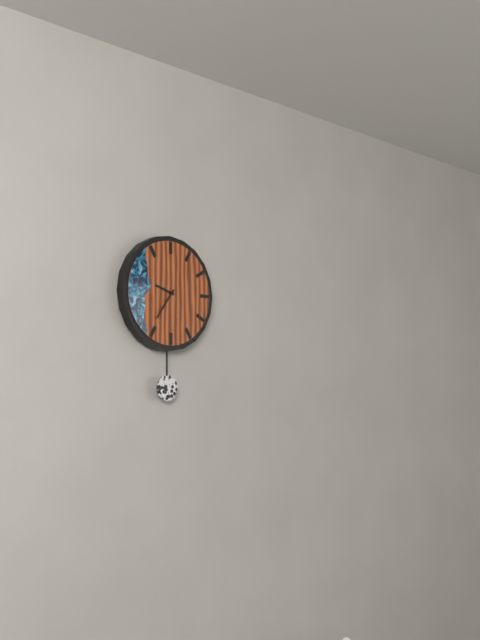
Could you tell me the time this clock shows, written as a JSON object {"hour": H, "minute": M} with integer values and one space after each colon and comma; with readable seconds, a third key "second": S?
{"hour": 9, "minute": 36}
